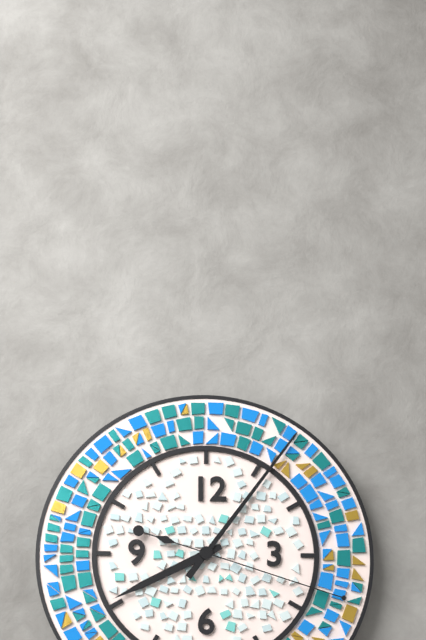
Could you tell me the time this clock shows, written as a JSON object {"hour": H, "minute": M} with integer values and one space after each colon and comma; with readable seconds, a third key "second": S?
{"hour": 8, "minute": 6, "second": 18}
